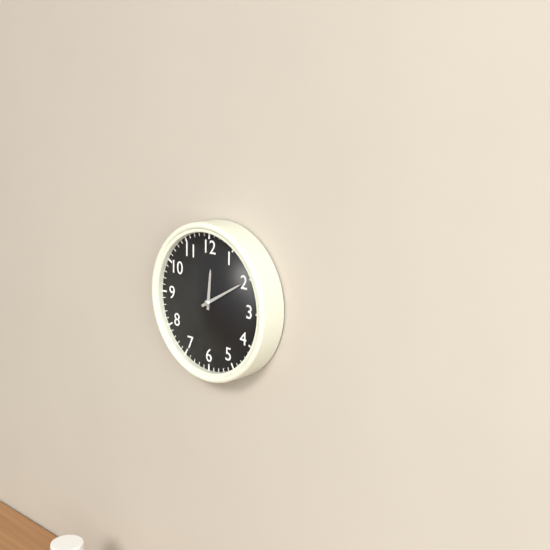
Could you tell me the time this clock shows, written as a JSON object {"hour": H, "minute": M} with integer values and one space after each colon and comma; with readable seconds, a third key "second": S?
{"hour": 12, "minute": 10}
